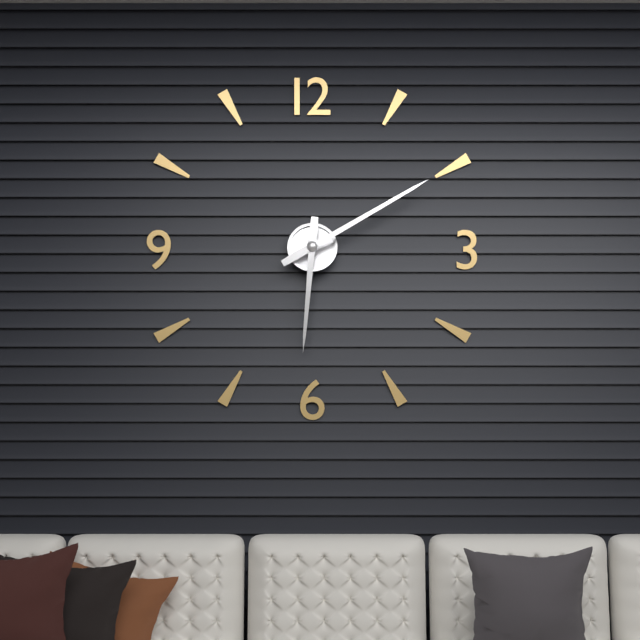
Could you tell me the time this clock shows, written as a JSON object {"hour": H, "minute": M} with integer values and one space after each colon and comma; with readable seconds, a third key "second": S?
{"hour": 6, "minute": 10}
